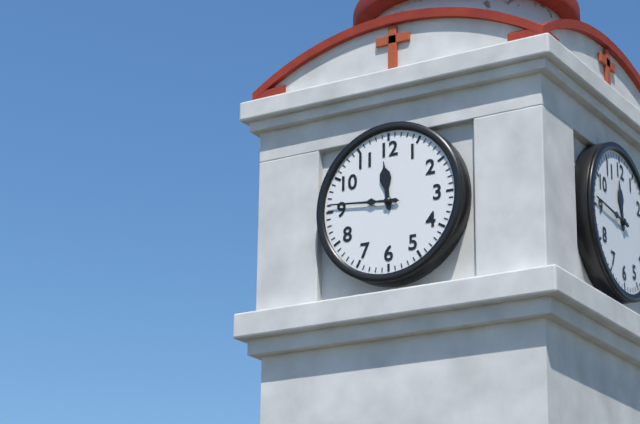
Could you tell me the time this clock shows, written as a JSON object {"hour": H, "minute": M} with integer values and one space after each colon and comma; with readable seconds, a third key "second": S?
{"hour": 11, "minute": 46}
